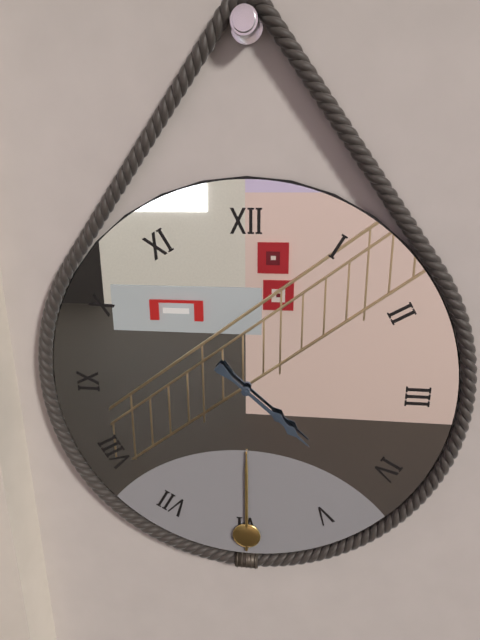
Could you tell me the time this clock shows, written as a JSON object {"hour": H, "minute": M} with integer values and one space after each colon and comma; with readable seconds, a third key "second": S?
{"hour": 4, "minute": 22}
